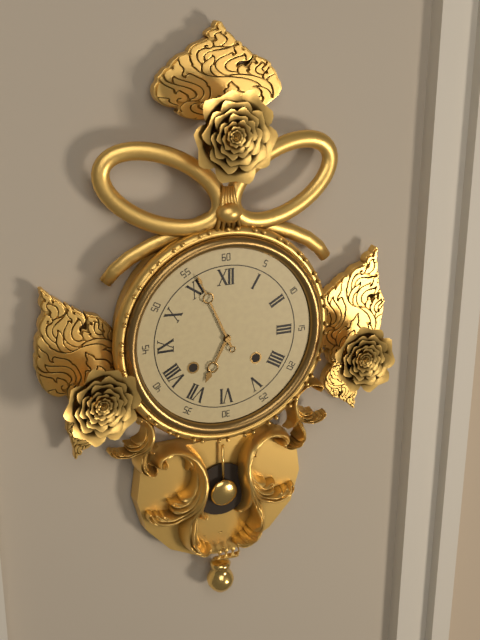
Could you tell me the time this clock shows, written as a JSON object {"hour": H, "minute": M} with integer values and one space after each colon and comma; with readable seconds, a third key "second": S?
{"hour": 6, "minute": 56}
